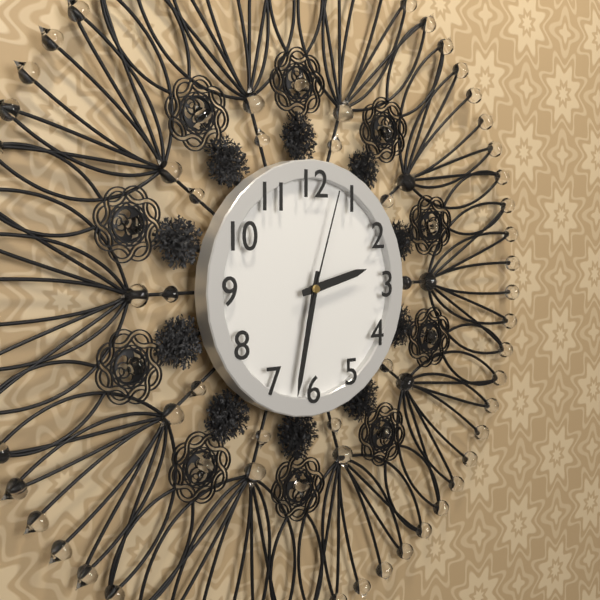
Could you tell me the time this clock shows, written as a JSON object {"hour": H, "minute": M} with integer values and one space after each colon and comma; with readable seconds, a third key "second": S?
{"hour": 2, "minute": 32, "second": 3}
